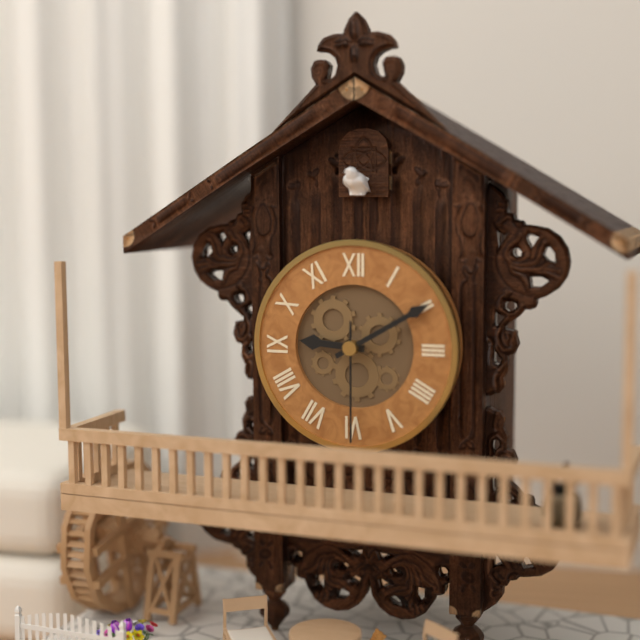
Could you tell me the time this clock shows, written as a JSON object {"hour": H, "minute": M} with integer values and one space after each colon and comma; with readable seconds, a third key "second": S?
{"hour": 9, "minute": 10, "second": 30}
